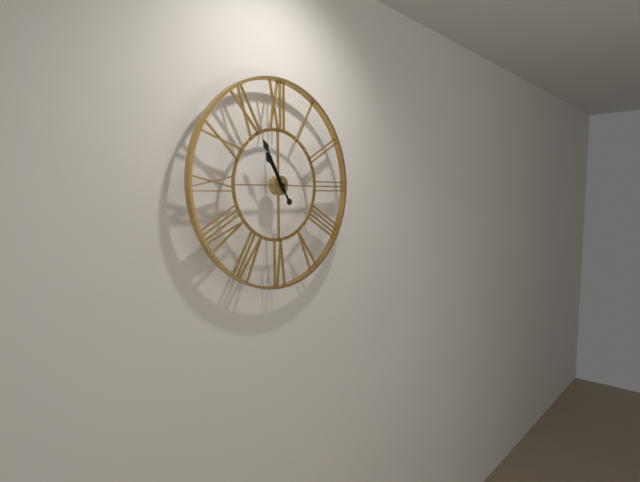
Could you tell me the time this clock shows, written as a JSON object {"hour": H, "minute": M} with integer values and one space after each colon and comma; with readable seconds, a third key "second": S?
{"hour": 10, "minute": 55}
